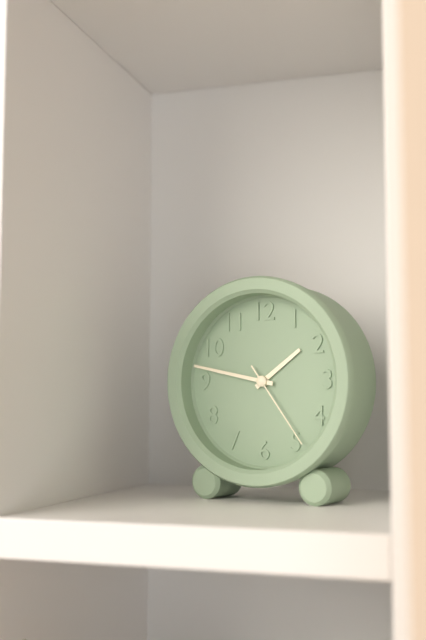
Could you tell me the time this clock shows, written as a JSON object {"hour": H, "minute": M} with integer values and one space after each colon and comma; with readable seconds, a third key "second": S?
{"hour": 1, "minute": 47, "second": 24}
